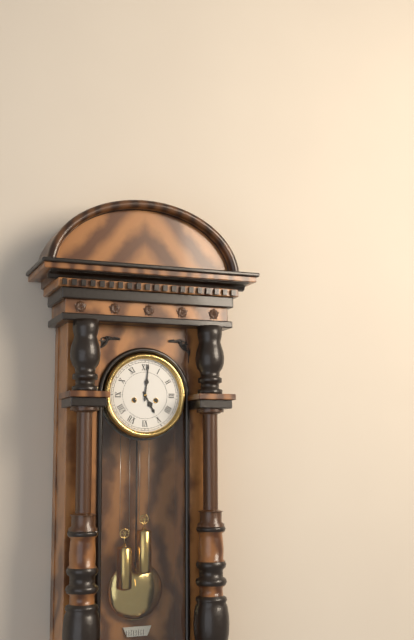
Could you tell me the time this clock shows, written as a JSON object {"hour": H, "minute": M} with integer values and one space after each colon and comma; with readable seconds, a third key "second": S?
{"hour": 5, "minute": 1}
